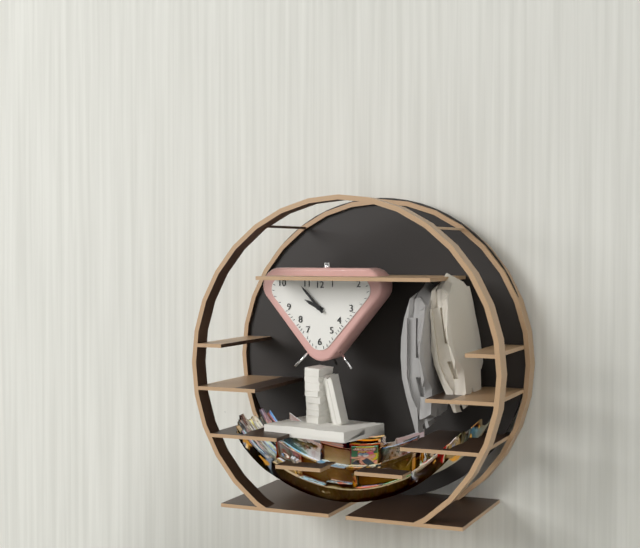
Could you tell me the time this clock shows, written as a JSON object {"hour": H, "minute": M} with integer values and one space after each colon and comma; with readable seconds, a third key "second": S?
{"hour": 9, "minute": 53}
